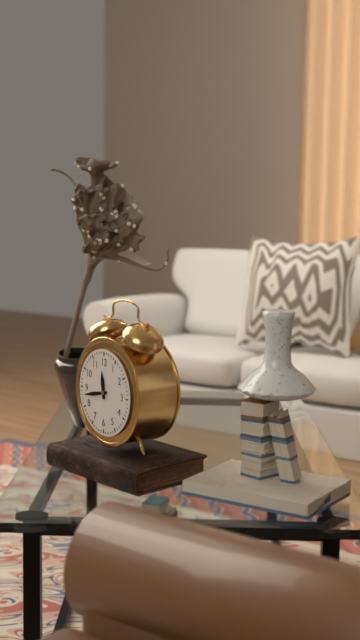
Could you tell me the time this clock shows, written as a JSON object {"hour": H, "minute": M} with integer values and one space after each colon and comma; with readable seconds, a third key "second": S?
{"hour": 11, "minute": 43}
